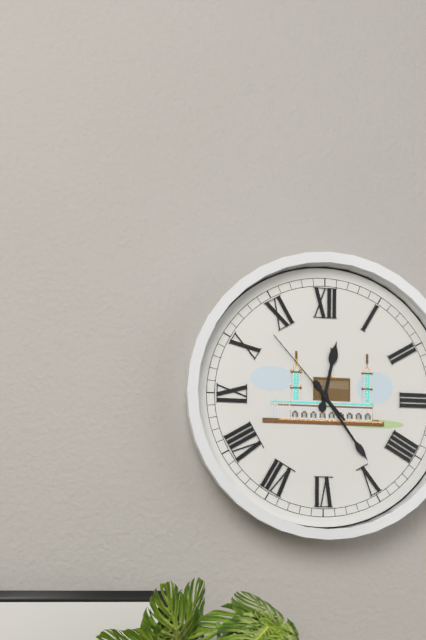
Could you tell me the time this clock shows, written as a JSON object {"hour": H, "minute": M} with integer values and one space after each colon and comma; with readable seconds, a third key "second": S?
{"hour": 12, "minute": 24, "second": 53}
